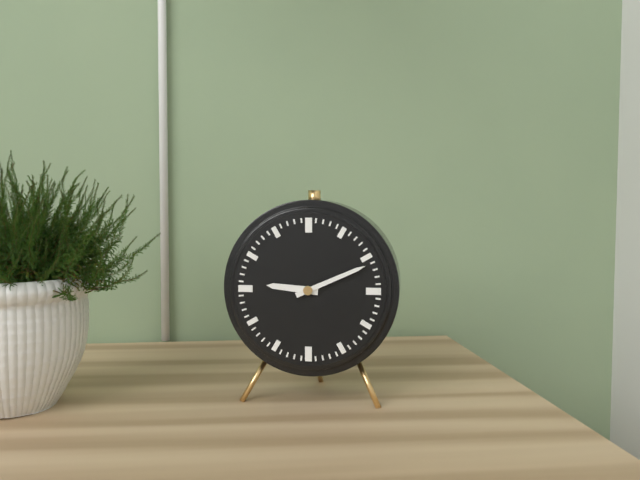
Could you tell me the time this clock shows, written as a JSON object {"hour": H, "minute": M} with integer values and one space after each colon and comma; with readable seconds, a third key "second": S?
{"hour": 9, "minute": 11}
